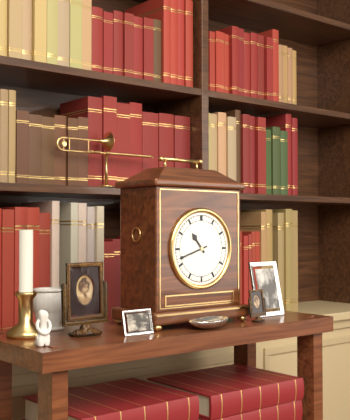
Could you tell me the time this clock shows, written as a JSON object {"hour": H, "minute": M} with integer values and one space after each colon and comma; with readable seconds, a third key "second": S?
{"hour": 10, "minute": 42}
